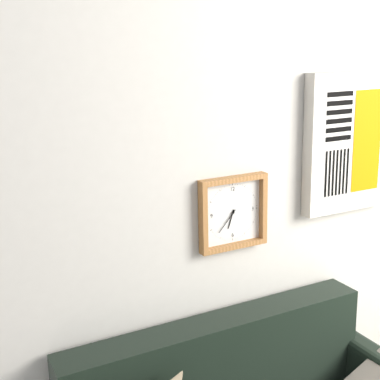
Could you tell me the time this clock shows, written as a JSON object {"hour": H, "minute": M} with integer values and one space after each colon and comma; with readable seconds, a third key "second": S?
{"hour": 6, "minute": 37}
